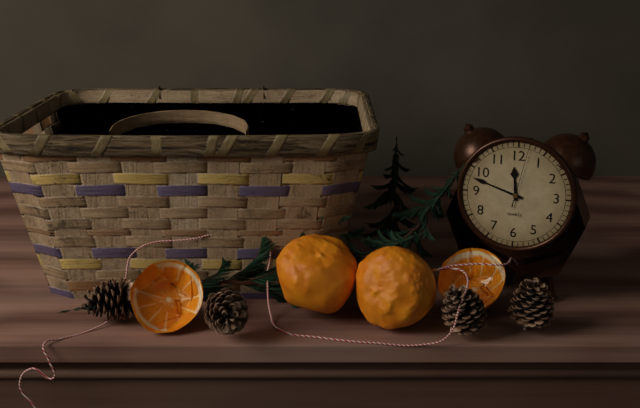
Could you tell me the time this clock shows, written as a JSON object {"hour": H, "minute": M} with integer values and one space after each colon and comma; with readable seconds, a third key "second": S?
{"hour": 11, "minute": 48, "second": 2}
